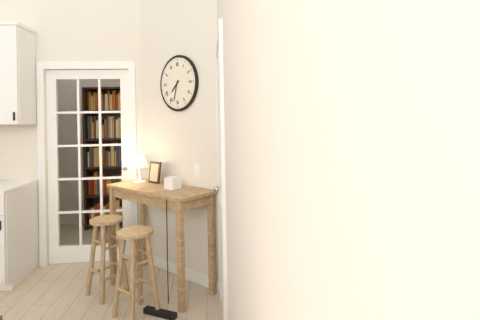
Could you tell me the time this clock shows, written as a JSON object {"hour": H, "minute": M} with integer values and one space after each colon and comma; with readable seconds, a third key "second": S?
{"hour": 7, "minute": 33}
